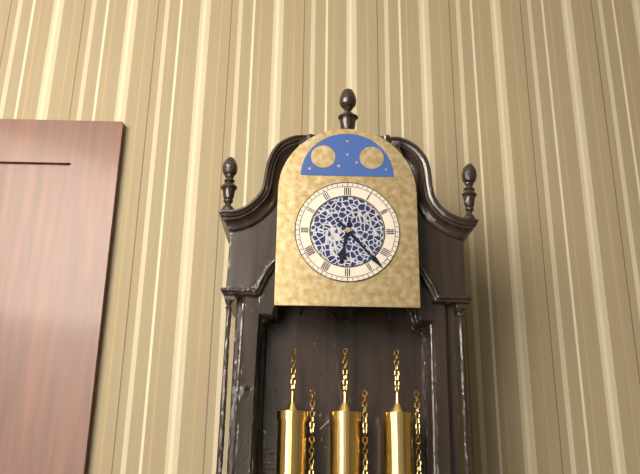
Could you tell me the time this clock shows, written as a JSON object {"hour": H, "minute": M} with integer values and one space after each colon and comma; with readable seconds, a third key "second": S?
{"hour": 6, "minute": 23}
